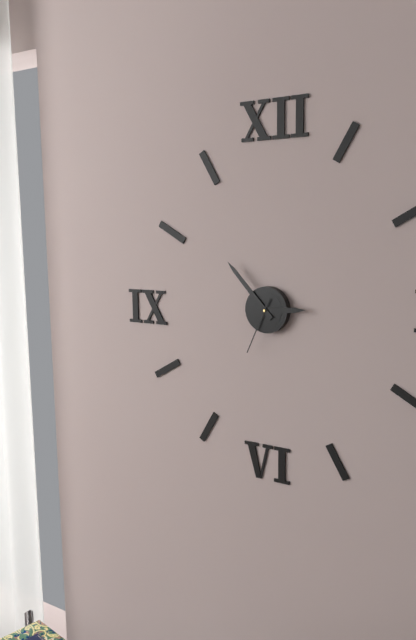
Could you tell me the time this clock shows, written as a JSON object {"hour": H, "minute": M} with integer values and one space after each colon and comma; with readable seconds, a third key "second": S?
{"hour": 2, "minute": 53, "second": 34}
